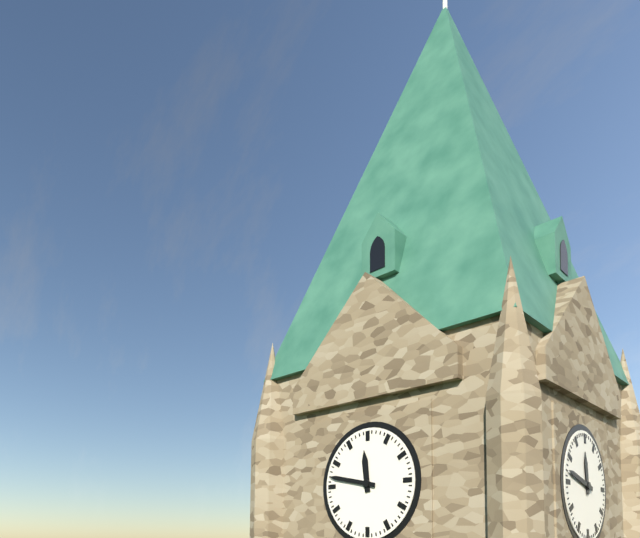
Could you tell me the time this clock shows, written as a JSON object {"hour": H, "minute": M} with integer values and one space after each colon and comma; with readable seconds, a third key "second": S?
{"hour": 11, "minute": 47}
